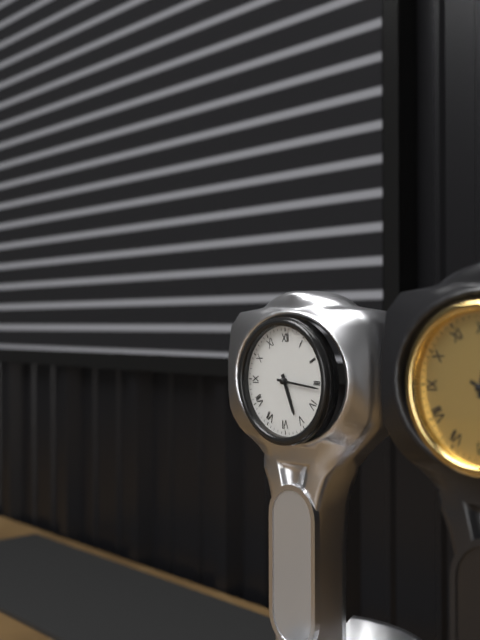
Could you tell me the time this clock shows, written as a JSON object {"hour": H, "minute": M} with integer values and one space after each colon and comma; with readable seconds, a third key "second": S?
{"hour": 5, "minute": 16}
